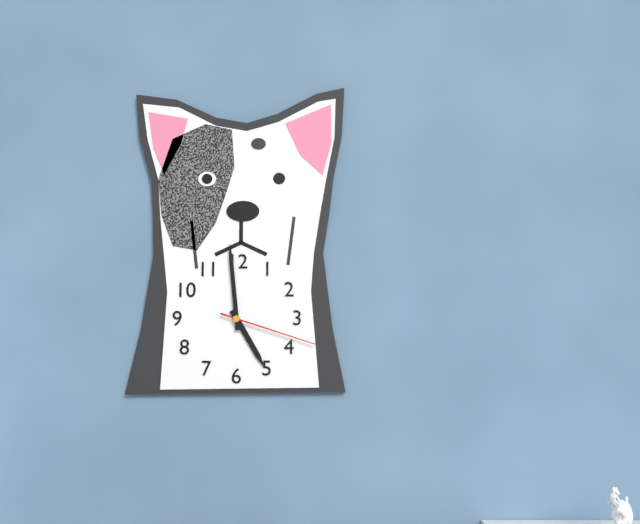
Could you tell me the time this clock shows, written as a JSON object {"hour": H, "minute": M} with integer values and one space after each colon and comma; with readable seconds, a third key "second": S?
{"hour": 4, "minute": 59, "second": 18}
